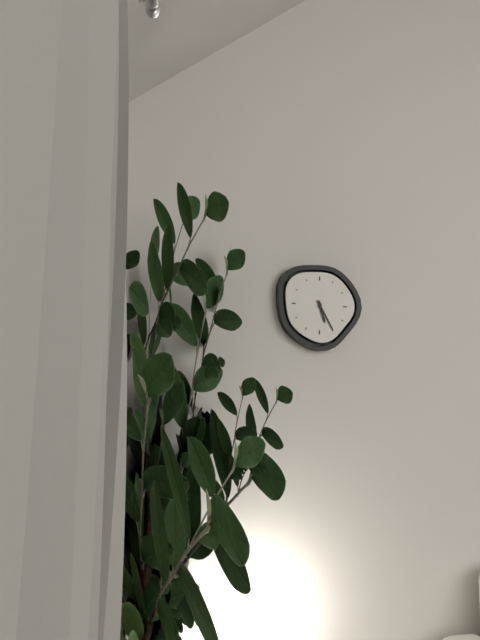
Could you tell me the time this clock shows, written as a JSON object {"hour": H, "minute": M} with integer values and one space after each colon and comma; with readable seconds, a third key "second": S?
{"hour": 5, "minute": 25}
